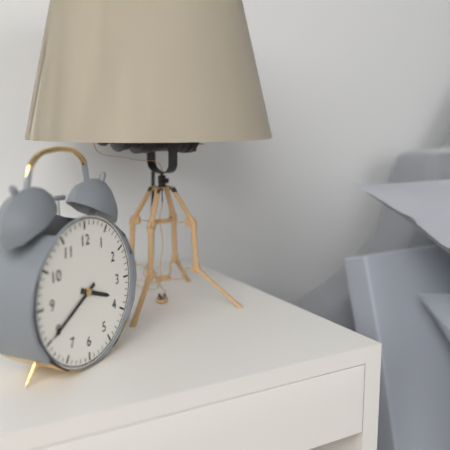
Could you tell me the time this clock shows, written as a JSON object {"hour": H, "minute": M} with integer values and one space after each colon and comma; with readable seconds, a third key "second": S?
{"hour": 3, "minute": 40}
